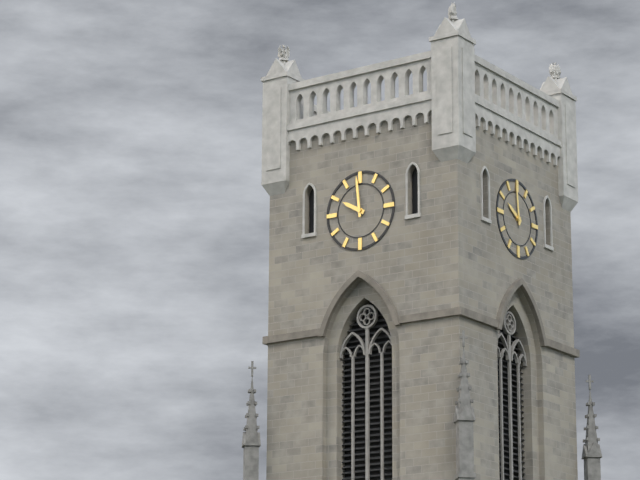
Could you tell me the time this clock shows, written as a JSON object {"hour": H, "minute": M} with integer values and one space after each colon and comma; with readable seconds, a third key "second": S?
{"hour": 9, "minute": 59}
